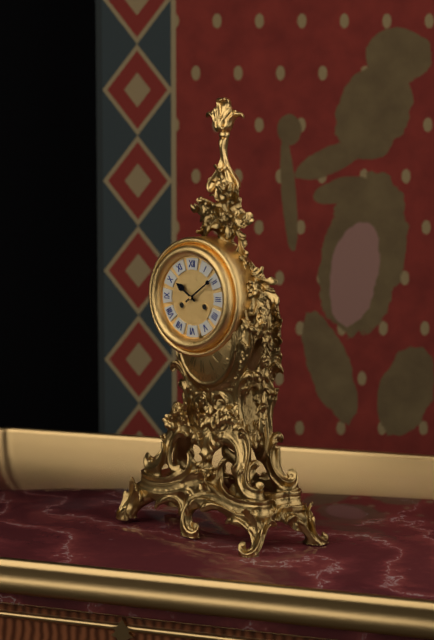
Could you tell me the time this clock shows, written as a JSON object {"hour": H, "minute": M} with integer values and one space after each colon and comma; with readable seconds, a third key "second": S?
{"hour": 10, "minute": 9}
